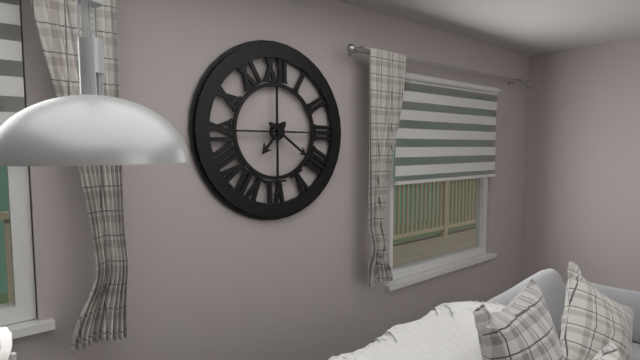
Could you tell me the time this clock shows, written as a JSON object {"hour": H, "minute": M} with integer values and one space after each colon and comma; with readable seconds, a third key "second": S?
{"hour": 7, "minute": 21}
